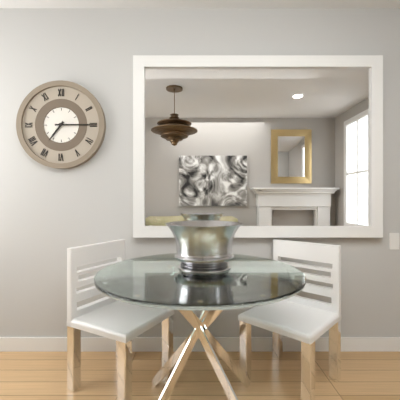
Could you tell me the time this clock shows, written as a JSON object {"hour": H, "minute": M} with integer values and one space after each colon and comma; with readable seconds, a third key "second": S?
{"hour": 7, "minute": 15}
